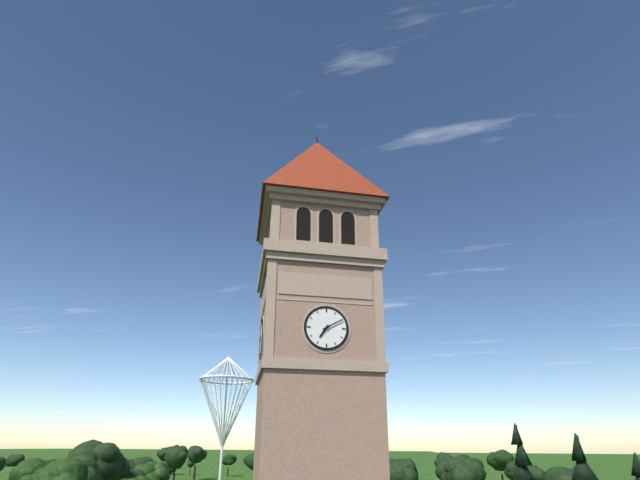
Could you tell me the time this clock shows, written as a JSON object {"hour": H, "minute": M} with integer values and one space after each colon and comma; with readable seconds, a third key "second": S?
{"hour": 7, "minute": 10}
